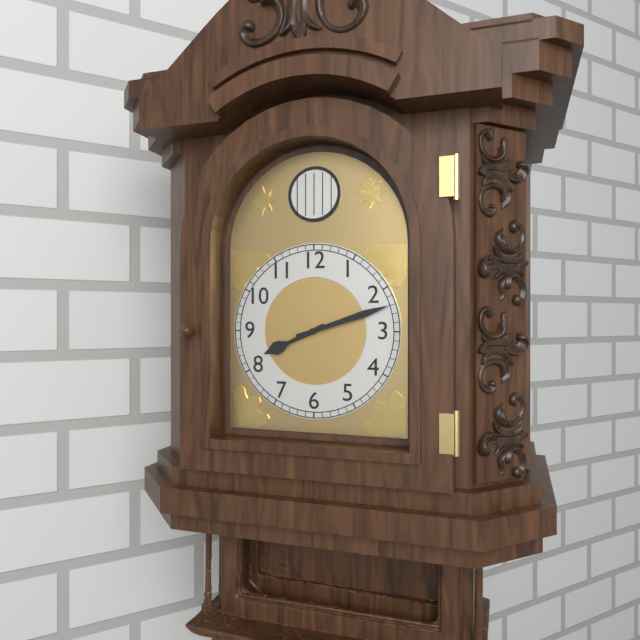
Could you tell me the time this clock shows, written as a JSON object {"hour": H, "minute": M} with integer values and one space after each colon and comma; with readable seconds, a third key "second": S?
{"hour": 8, "minute": 12}
